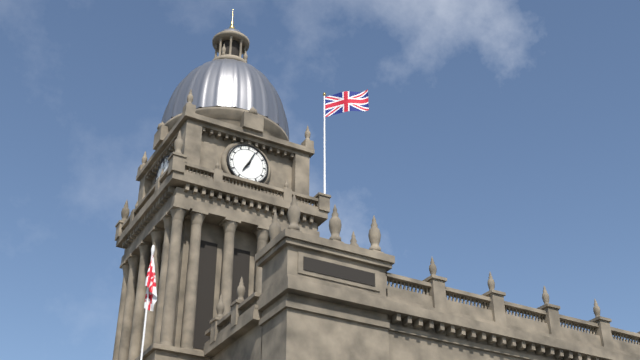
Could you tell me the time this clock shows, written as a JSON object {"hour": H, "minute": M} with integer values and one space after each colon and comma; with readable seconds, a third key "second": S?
{"hour": 7, "minute": 4}
